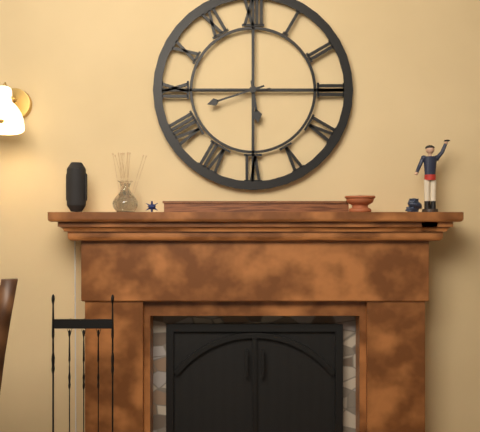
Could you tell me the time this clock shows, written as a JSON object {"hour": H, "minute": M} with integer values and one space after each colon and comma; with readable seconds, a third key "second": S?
{"hour": 5, "minute": 42, "second": 45}
